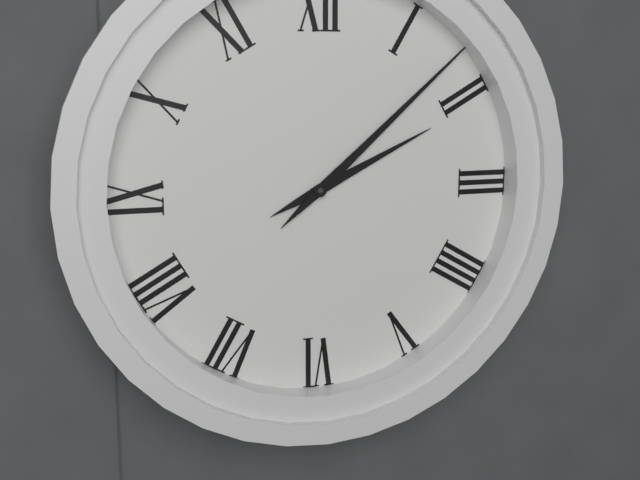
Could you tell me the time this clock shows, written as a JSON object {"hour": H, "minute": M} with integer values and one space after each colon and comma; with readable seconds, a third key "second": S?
{"hour": 2, "minute": 8}
